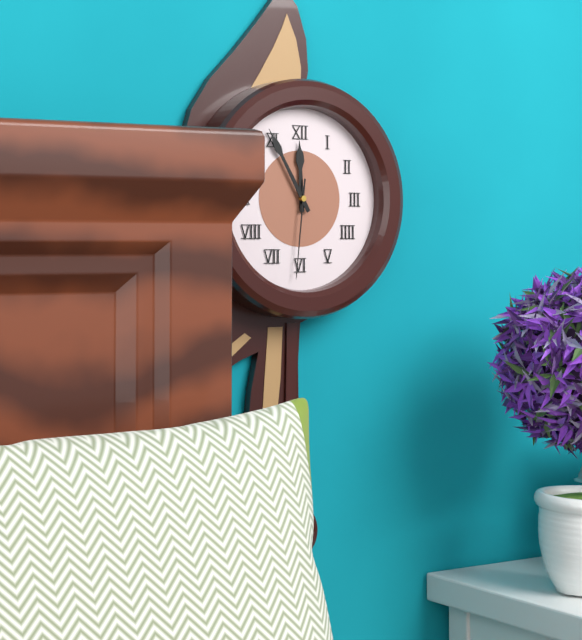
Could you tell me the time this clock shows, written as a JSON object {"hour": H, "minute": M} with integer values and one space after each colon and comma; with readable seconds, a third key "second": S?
{"hour": 11, "minute": 55, "second": 31}
